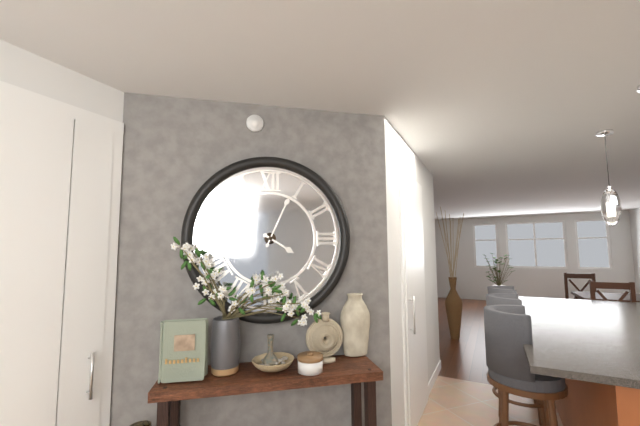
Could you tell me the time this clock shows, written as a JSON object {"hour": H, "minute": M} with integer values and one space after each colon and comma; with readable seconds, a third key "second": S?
{"hour": 4, "minute": 4}
